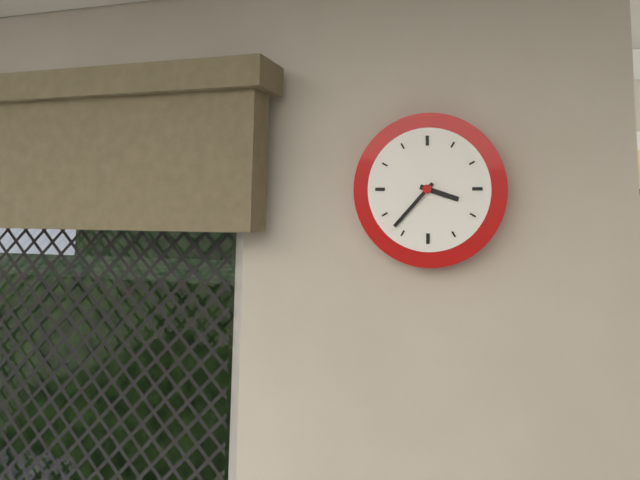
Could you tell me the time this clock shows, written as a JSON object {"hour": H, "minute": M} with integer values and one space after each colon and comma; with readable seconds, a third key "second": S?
{"hour": 3, "minute": 37}
